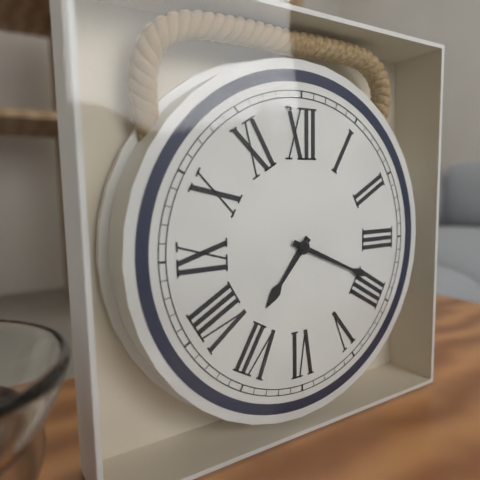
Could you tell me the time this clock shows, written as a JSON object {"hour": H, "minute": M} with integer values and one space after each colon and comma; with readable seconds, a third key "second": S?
{"hour": 7, "minute": 19}
